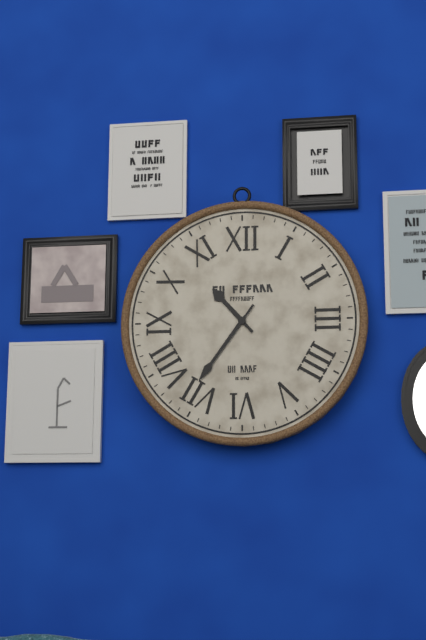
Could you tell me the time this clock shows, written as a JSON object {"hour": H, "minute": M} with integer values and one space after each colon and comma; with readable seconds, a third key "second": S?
{"hour": 10, "minute": 36}
